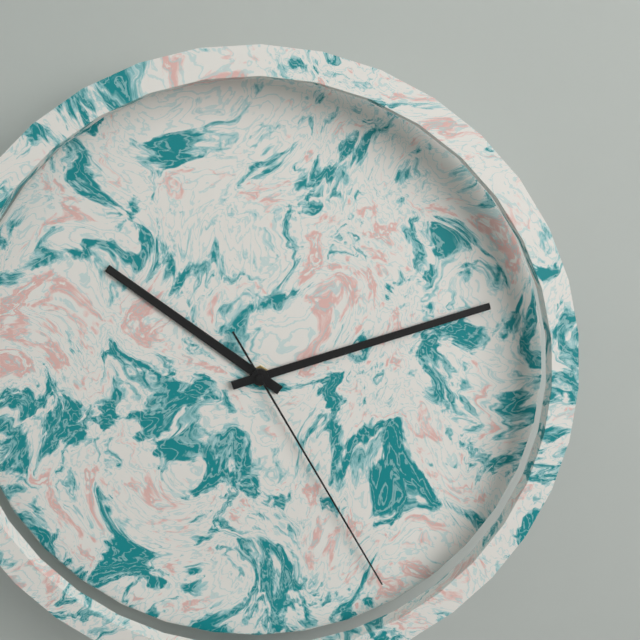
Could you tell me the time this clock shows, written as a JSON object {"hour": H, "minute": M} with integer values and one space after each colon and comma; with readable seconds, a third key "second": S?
{"hour": 10, "minute": 12, "second": 25}
